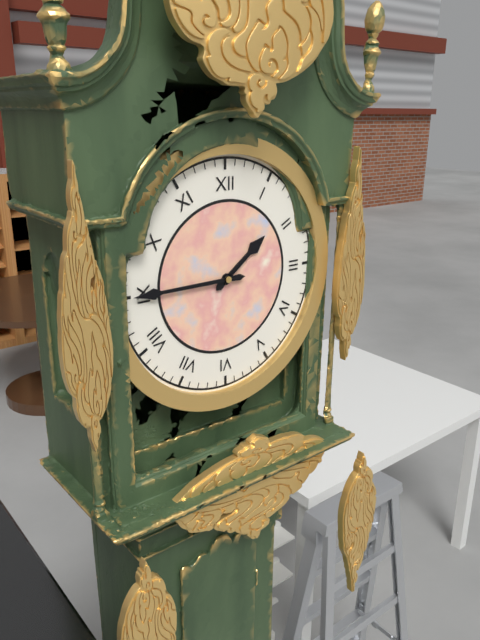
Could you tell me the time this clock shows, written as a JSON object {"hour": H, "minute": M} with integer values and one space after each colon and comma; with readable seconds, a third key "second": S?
{"hour": 1, "minute": 45}
